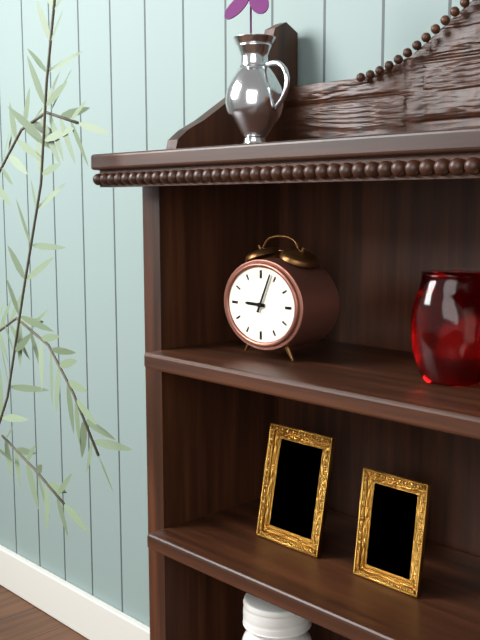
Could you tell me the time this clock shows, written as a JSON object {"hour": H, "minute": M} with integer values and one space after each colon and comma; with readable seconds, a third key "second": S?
{"hour": 9, "minute": 4}
